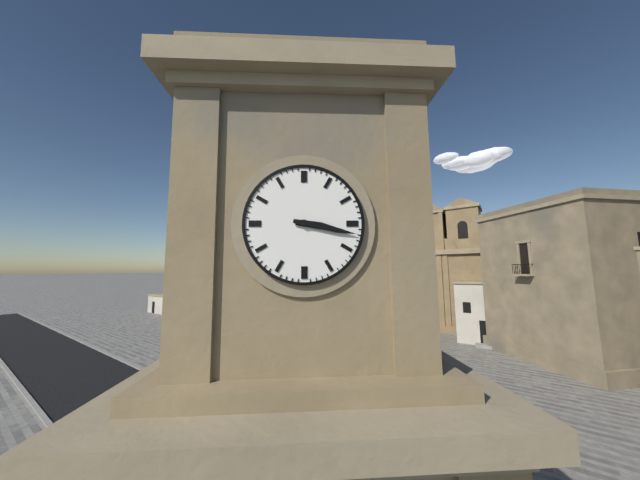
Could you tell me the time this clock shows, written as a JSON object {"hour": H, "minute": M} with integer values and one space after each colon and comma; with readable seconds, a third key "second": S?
{"hour": 3, "minute": 17}
